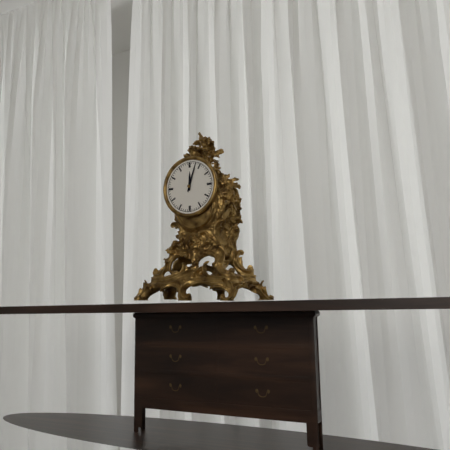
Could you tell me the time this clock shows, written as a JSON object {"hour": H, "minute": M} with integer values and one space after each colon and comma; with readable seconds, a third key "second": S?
{"hour": 12, "minute": 3}
